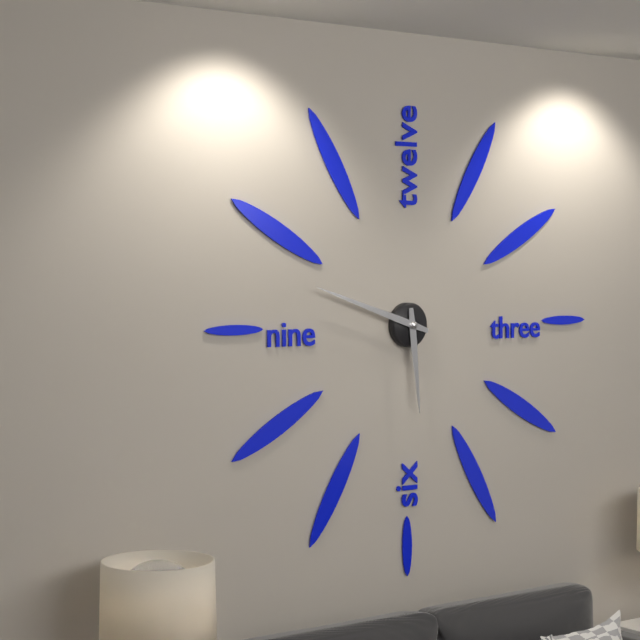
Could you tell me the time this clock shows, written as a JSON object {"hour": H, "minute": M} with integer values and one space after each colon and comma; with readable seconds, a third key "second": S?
{"hour": 5, "minute": 48}
